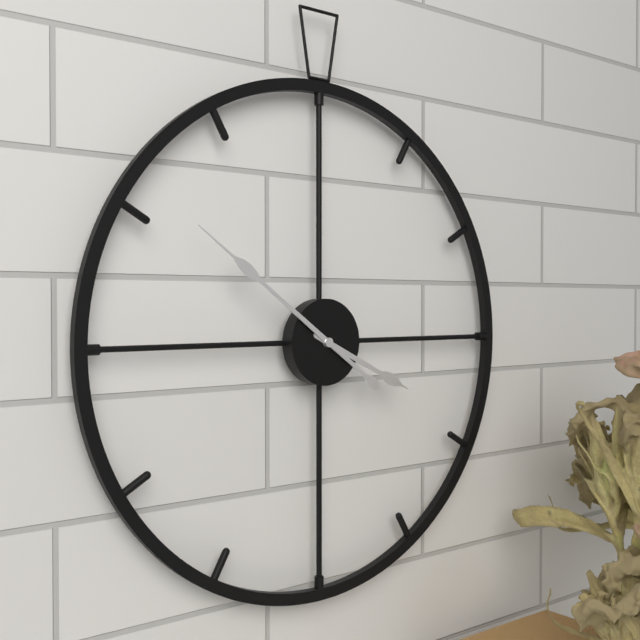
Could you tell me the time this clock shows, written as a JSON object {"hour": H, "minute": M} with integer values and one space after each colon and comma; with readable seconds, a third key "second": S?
{"hour": 3, "minute": 51}
